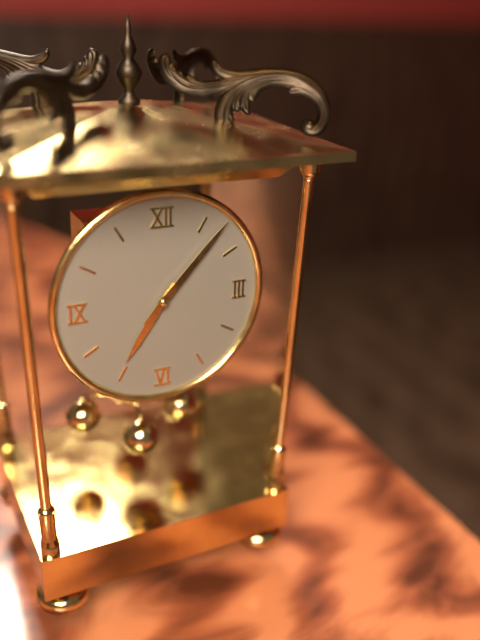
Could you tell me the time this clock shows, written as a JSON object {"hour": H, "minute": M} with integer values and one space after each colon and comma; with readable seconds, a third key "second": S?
{"hour": 7, "minute": 7}
